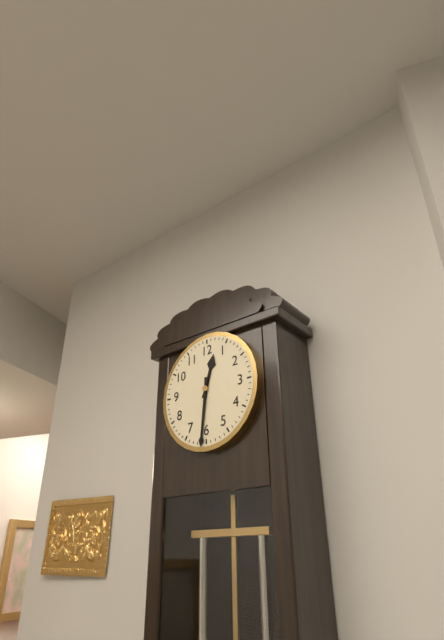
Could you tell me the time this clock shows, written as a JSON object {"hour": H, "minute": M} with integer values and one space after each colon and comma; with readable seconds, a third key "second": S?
{"hour": 12, "minute": 31}
